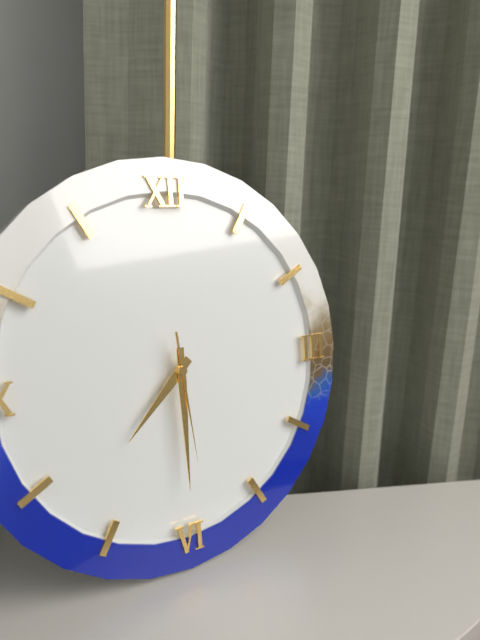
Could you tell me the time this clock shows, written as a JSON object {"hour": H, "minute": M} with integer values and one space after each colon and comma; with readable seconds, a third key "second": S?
{"hour": 7, "minute": 30, "second": 29}
